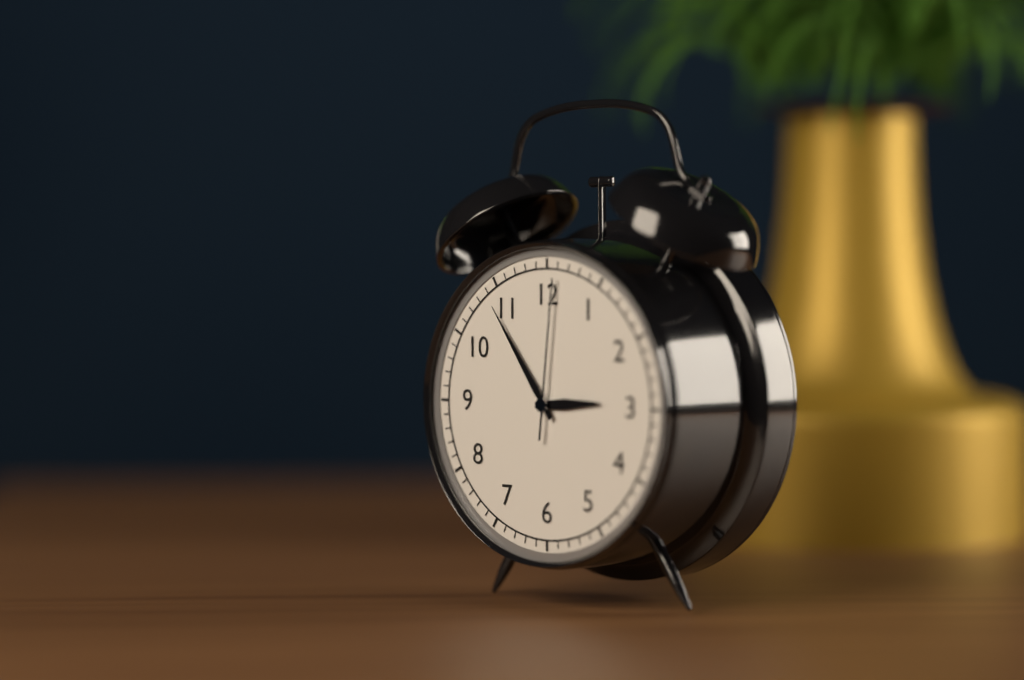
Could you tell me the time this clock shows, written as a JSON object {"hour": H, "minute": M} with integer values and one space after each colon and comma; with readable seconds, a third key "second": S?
{"hour": 2, "minute": 54, "second": 1}
